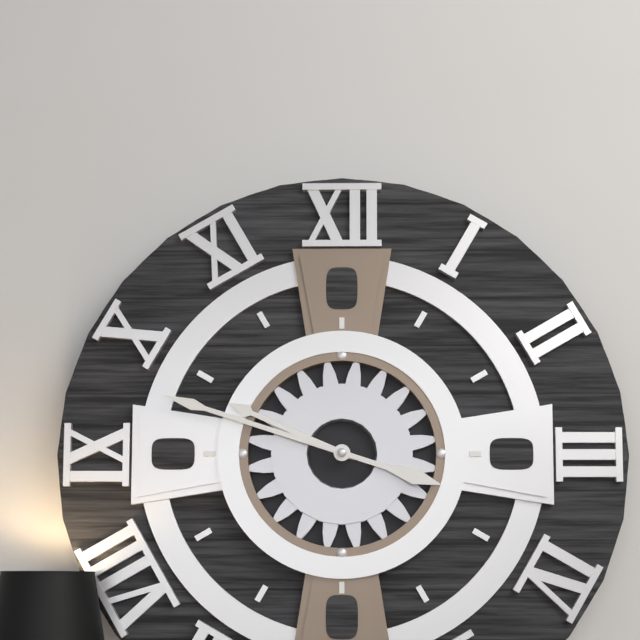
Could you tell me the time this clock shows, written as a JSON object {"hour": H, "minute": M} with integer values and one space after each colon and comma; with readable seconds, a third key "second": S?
{"hour": 9, "minute": 48}
